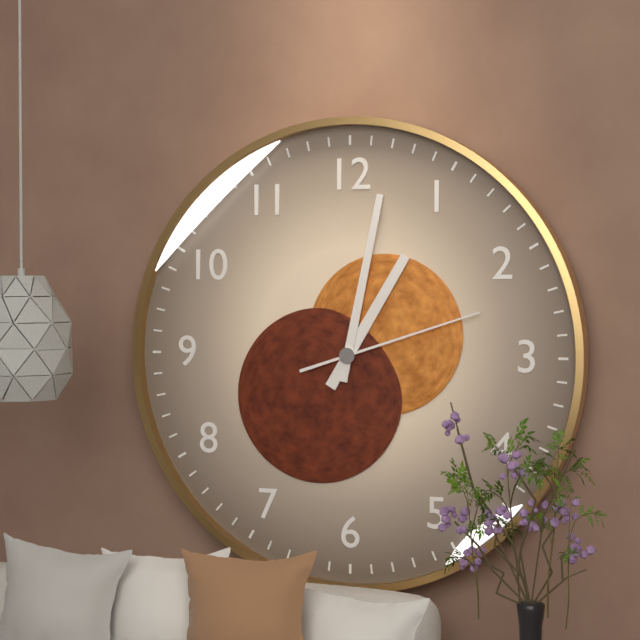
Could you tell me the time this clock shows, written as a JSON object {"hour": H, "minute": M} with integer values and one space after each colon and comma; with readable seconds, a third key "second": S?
{"hour": 1, "minute": 2, "second": 12}
